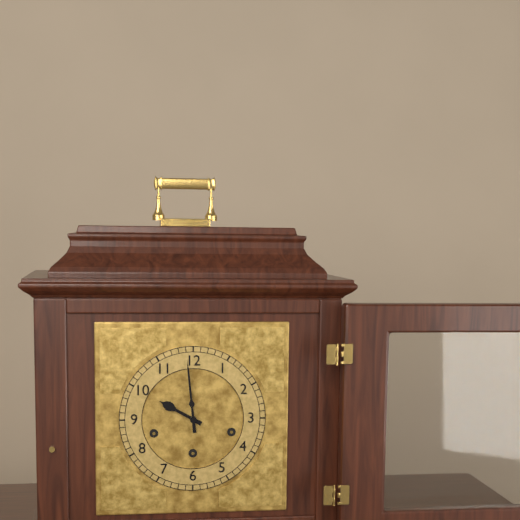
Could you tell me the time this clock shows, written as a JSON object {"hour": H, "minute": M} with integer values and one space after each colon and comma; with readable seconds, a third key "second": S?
{"hour": 9, "minute": 59}
